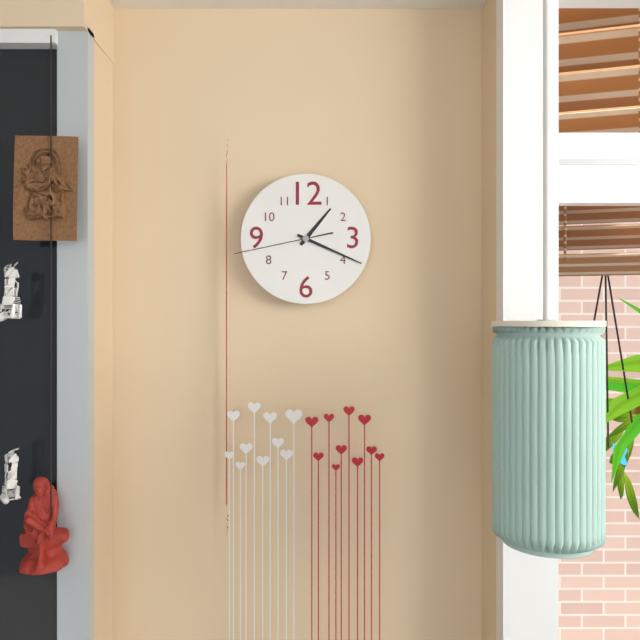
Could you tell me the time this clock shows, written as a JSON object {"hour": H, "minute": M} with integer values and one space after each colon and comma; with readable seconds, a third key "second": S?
{"hour": 1, "minute": 19, "second": 43}
